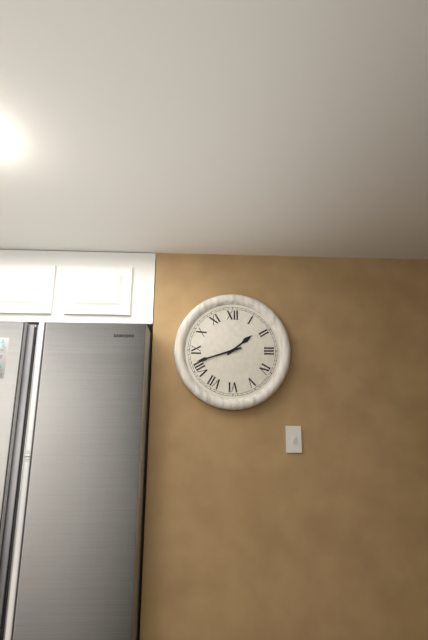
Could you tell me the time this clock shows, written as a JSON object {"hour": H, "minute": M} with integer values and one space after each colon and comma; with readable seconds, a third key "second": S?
{"hour": 1, "minute": 42}
